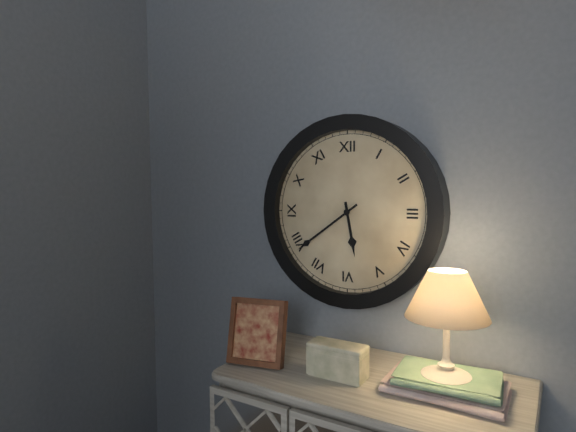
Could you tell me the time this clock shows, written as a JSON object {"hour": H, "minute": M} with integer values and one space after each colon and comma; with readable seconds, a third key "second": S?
{"hour": 5, "minute": 39}
